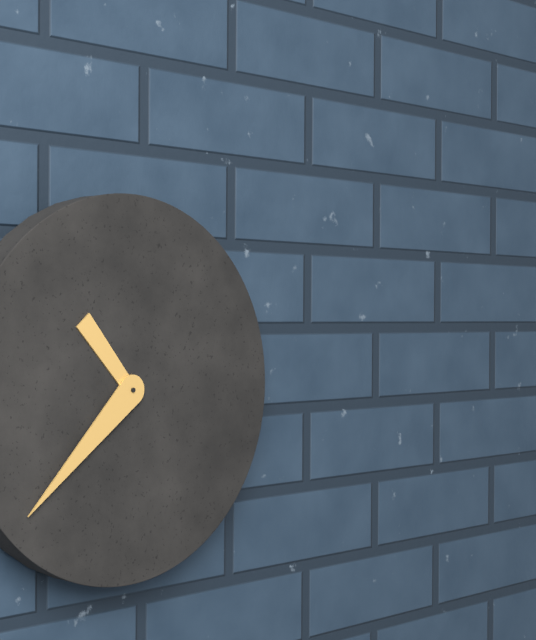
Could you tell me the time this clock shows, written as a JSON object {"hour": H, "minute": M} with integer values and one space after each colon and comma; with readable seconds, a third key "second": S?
{"hour": 10, "minute": 38}
